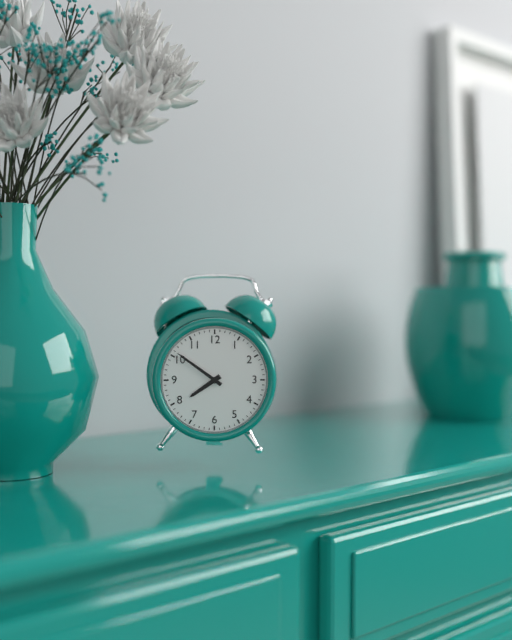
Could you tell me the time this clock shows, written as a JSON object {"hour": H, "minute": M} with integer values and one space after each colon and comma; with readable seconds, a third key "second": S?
{"hour": 7, "minute": 51}
